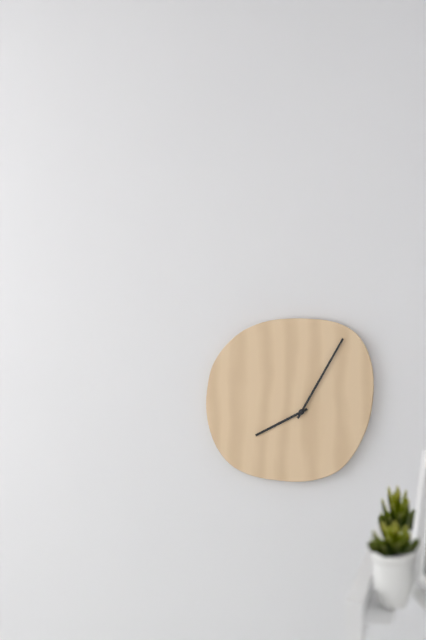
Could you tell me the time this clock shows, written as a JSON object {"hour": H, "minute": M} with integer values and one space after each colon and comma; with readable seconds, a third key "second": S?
{"hour": 8, "minute": 5}
